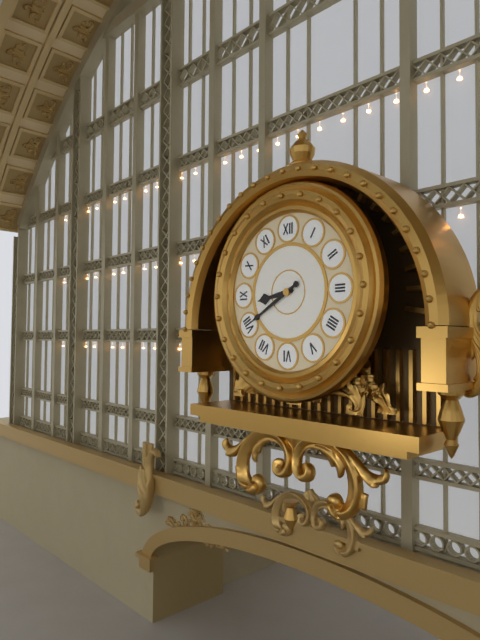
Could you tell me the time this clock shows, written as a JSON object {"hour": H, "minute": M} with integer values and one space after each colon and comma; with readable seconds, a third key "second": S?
{"hour": 8, "minute": 40}
